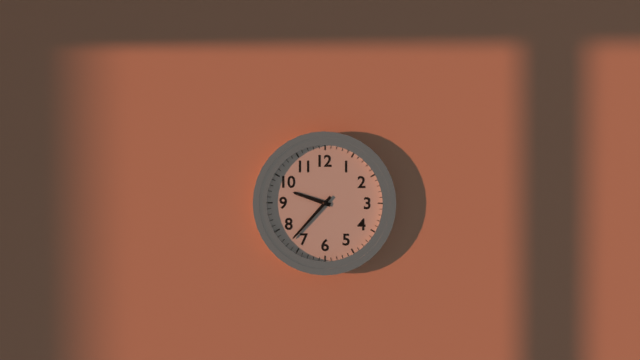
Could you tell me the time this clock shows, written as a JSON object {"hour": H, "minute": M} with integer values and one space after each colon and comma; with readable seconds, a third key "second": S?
{"hour": 9, "minute": 37}
